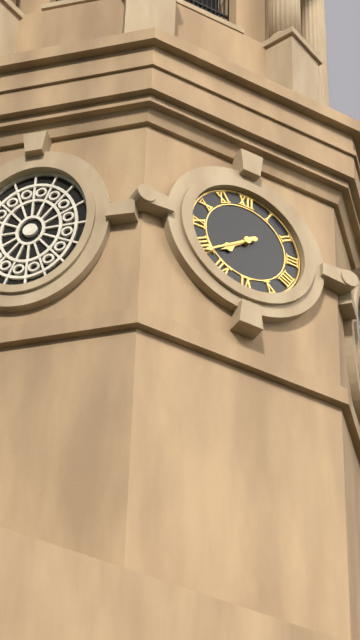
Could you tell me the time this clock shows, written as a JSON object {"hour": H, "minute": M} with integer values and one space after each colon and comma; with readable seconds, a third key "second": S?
{"hour": 7, "minute": 39}
